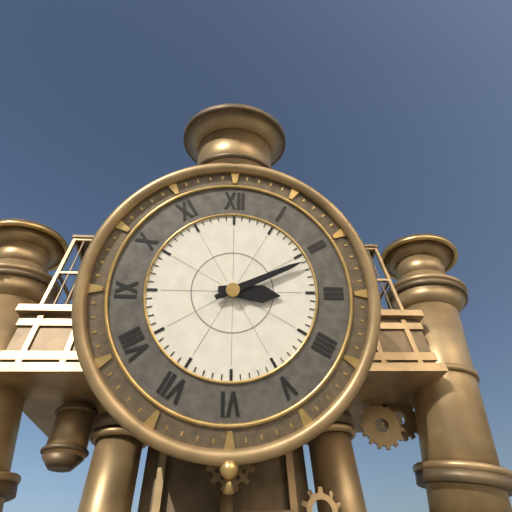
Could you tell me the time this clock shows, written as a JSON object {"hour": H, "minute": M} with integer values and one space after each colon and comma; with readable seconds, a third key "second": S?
{"hour": 3, "minute": 11}
